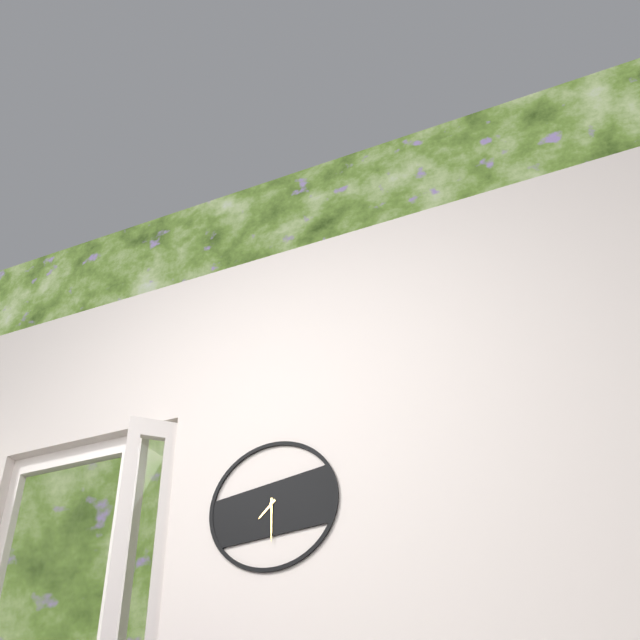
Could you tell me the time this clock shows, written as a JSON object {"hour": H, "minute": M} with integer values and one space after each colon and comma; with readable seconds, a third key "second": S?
{"hour": 7, "minute": 30}
